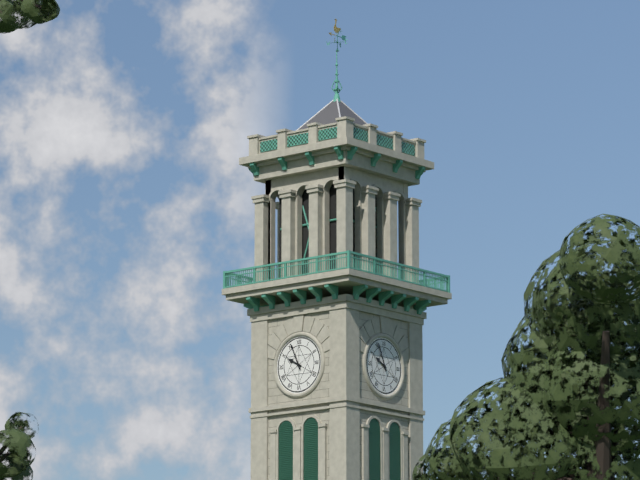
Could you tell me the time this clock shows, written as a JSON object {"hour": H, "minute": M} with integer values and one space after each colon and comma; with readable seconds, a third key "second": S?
{"hour": 9, "minute": 56}
